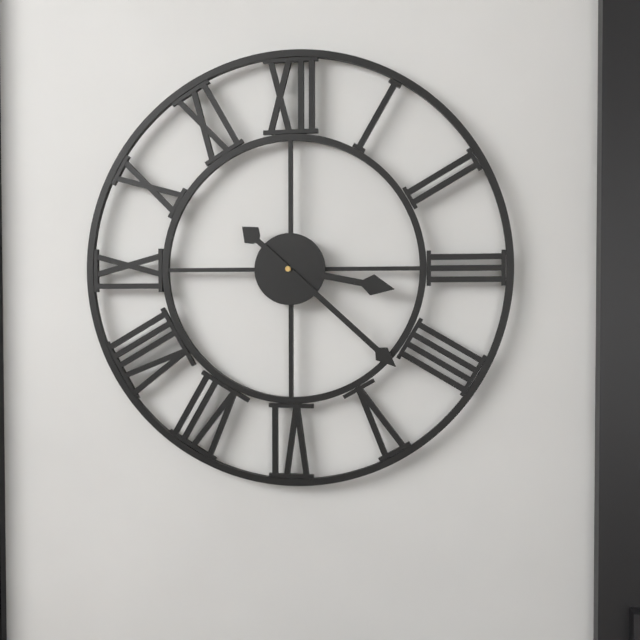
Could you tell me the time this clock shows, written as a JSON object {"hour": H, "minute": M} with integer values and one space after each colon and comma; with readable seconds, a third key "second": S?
{"hour": 3, "minute": 22}
